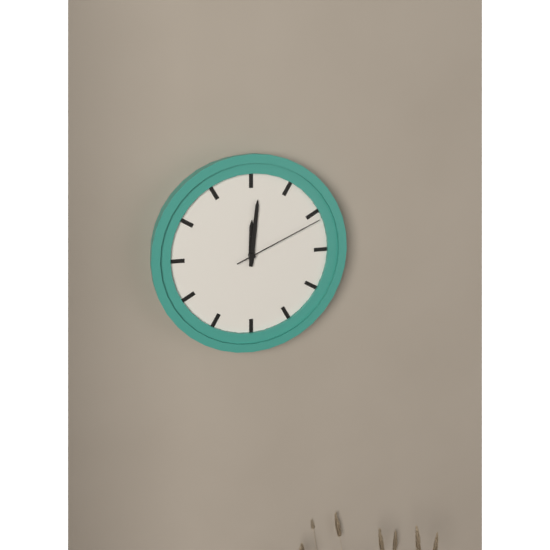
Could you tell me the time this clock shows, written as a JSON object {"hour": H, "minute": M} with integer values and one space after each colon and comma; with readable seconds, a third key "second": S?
{"hour": 12, "minute": 1, "second": 11}
